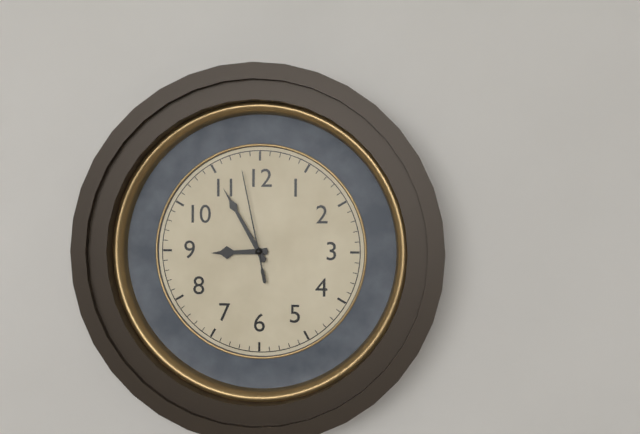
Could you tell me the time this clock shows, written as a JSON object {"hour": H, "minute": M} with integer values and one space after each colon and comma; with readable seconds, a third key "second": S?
{"hour": 8, "minute": 55, "second": 58}
